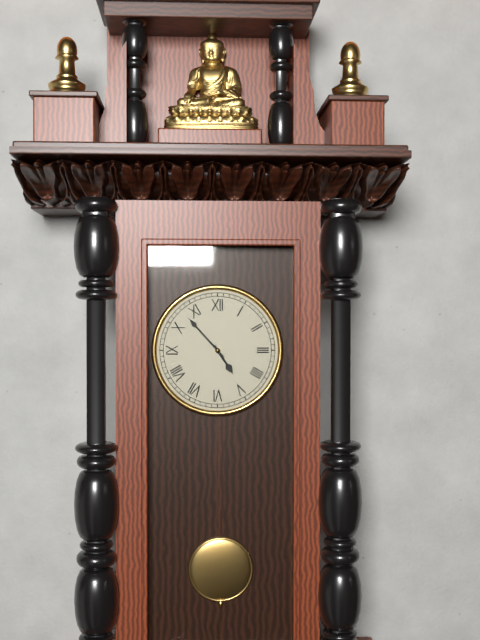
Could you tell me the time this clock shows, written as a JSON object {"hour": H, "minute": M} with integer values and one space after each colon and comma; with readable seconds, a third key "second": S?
{"hour": 4, "minute": 53}
